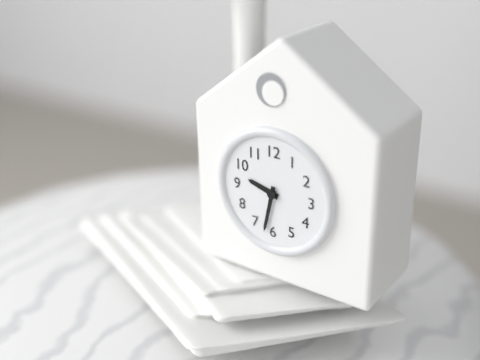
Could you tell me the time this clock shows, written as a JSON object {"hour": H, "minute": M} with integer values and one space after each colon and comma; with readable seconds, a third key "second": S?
{"hour": 9, "minute": 32}
